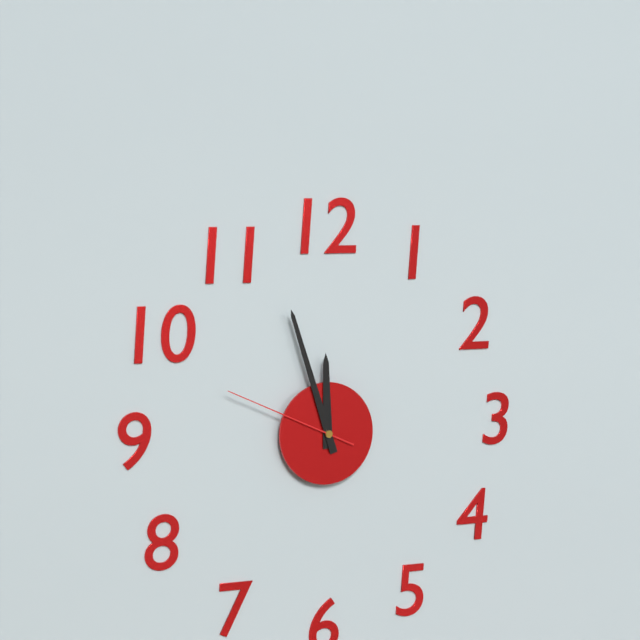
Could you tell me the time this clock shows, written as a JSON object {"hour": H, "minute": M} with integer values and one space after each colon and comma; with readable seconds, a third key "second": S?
{"hour": 11, "minute": 57, "second": 49}
